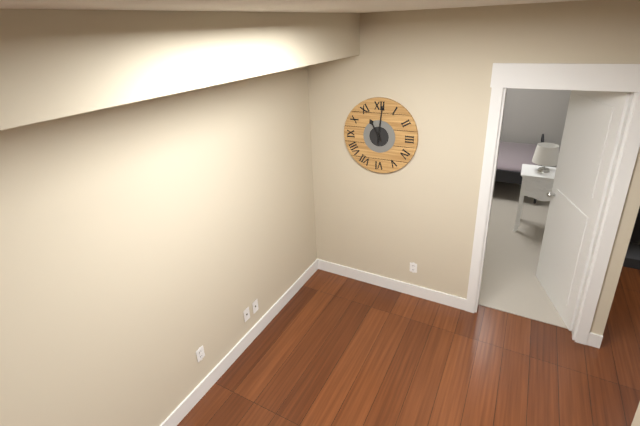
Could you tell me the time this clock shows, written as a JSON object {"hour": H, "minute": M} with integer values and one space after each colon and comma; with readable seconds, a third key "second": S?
{"hour": 11, "minute": 1}
